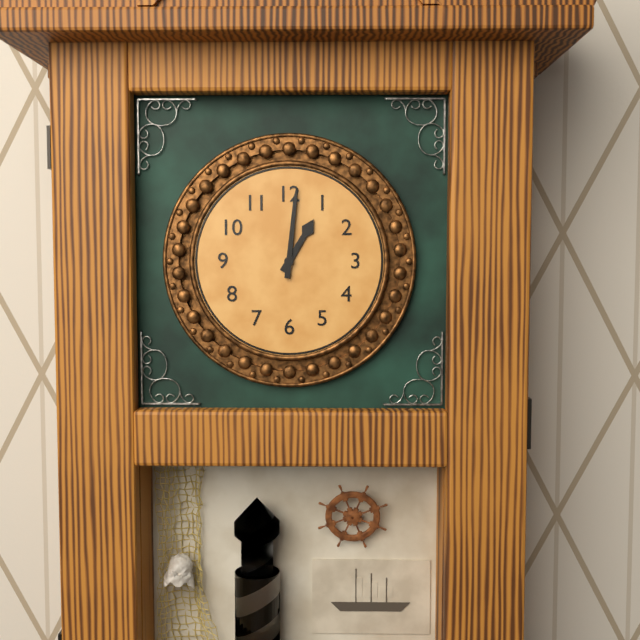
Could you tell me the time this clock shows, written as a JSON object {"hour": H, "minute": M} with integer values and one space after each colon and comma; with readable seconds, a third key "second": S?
{"hour": 1, "minute": 1}
